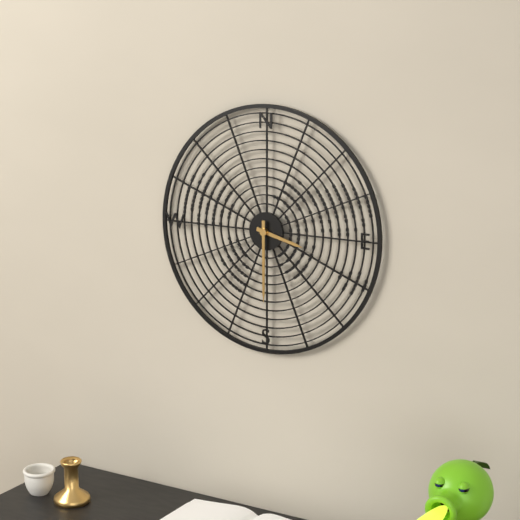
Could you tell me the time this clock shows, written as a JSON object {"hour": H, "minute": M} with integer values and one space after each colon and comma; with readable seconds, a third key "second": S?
{"hour": 3, "minute": 30}
